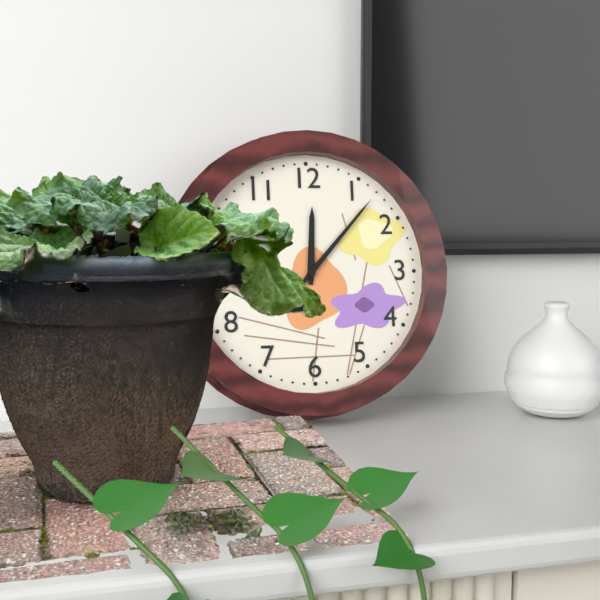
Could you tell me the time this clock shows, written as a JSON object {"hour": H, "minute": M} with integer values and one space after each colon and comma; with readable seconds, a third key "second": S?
{"hour": 12, "minute": 7}
